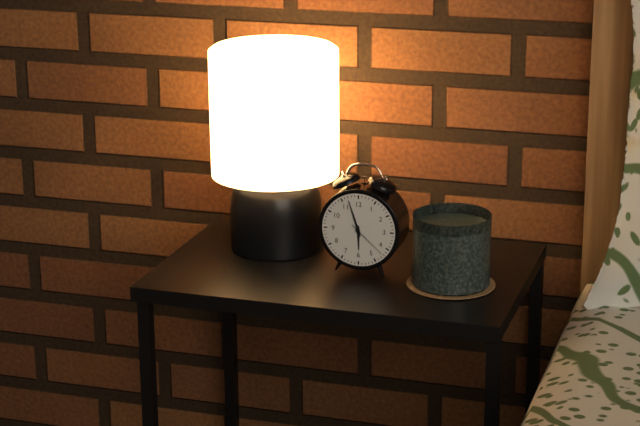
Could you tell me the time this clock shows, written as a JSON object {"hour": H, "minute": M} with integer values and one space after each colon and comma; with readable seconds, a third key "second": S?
{"hour": 5, "minute": 57}
